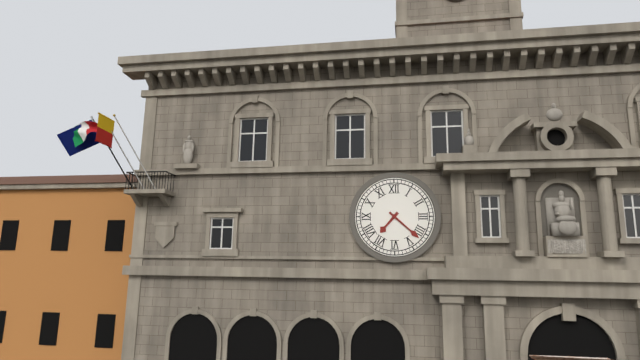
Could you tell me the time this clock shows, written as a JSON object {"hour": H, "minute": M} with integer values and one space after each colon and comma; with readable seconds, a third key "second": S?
{"hour": 7, "minute": 22}
